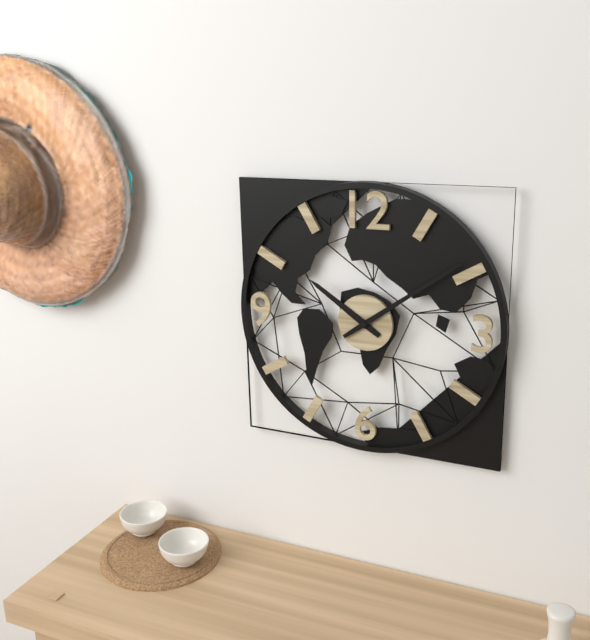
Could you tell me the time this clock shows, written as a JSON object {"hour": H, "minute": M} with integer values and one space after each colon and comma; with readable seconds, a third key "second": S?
{"hour": 10, "minute": 9}
